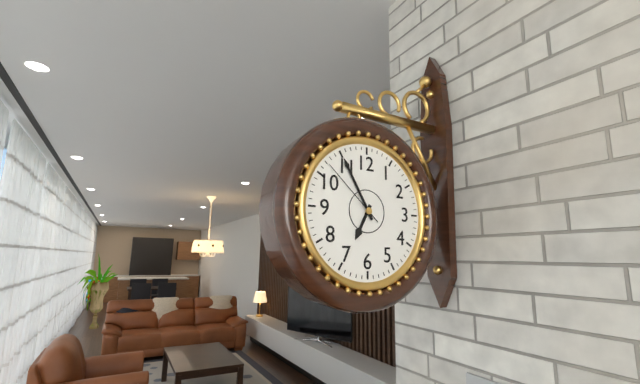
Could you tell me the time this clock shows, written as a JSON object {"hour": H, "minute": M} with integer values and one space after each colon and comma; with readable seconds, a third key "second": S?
{"hour": 6, "minute": 55, "second": 52}
